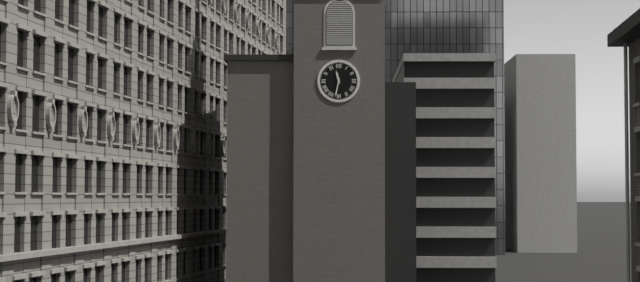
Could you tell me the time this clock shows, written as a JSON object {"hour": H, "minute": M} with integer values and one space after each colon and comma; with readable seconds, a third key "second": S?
{"hour": 11, "minute": 32}
